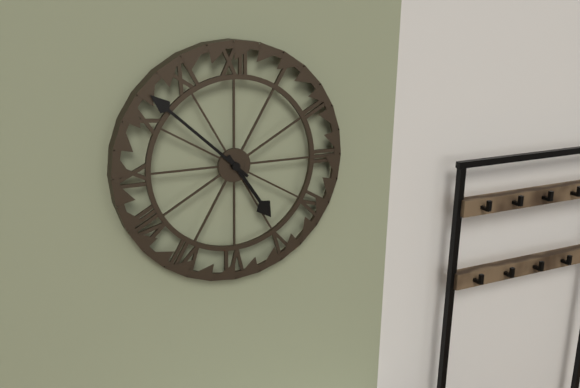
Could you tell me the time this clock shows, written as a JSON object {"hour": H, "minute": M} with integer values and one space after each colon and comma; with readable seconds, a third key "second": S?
{"hour": 4, "minute": 52}
